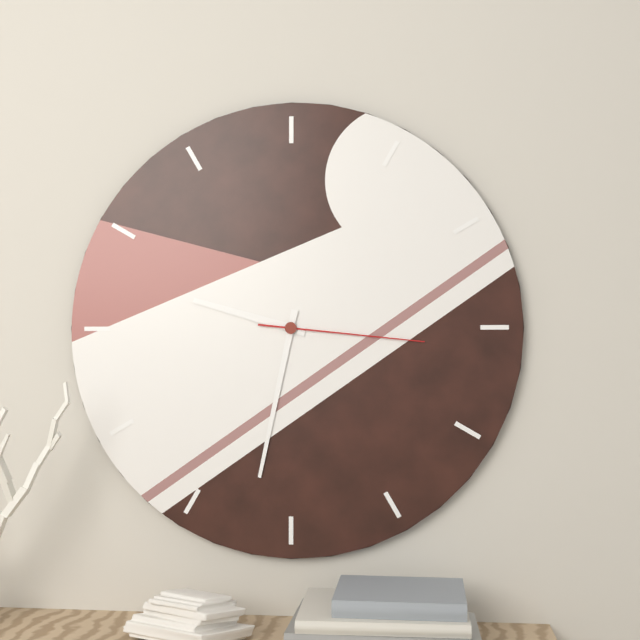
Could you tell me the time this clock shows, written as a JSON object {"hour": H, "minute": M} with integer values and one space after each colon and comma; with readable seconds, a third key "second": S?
{"hour": 9, "minute": 32, "second": 16}
